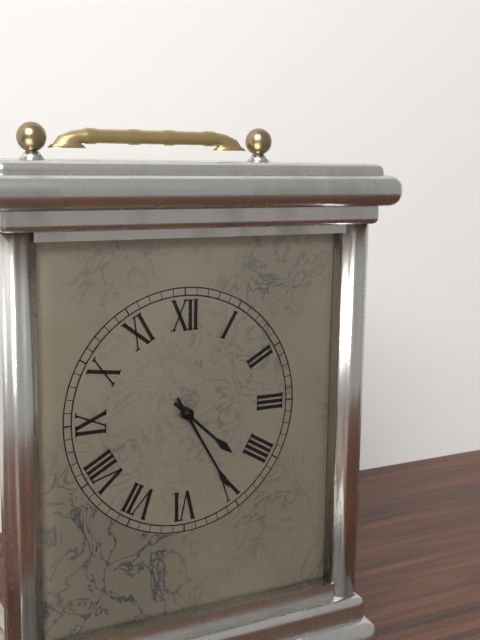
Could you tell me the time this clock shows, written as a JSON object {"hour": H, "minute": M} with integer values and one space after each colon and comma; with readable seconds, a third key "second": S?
{"hour": 4, "minute": 25}
